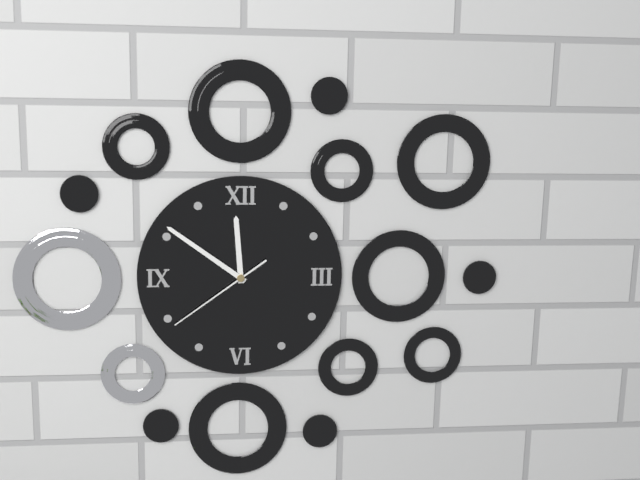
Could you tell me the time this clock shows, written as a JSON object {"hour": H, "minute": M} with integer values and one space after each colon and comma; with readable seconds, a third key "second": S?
{"hour": 11, "minute": 51, "second": 39}
